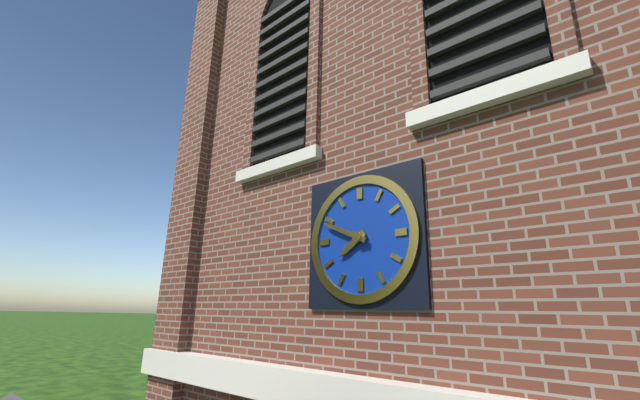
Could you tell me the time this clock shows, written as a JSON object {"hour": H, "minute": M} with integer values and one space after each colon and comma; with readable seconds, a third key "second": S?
{"hour": 7, "minute": 49}
